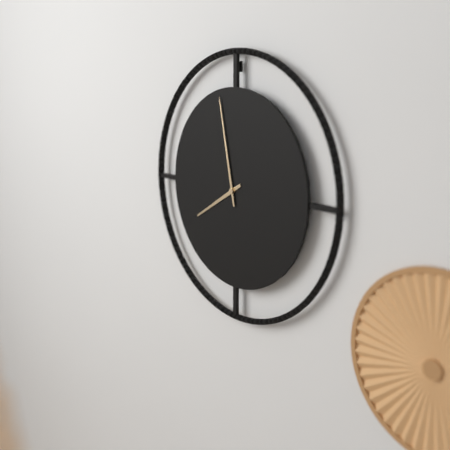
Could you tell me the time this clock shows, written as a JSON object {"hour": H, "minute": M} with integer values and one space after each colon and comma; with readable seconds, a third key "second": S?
{"hour": 7, "minute": 58}
